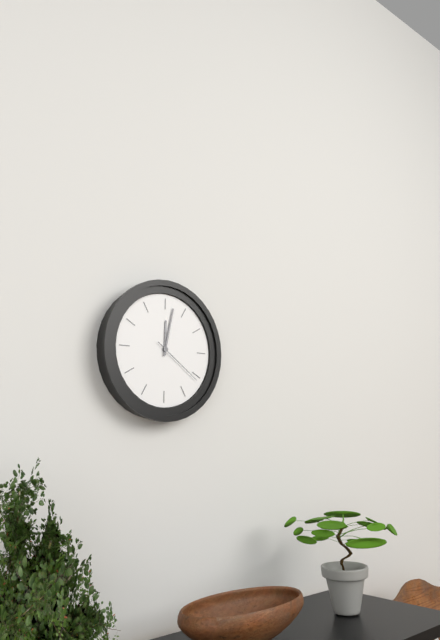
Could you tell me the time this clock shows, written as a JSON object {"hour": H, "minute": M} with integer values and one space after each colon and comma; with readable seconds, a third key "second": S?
{"hour": 12, "minute": 2, "second": 21}
